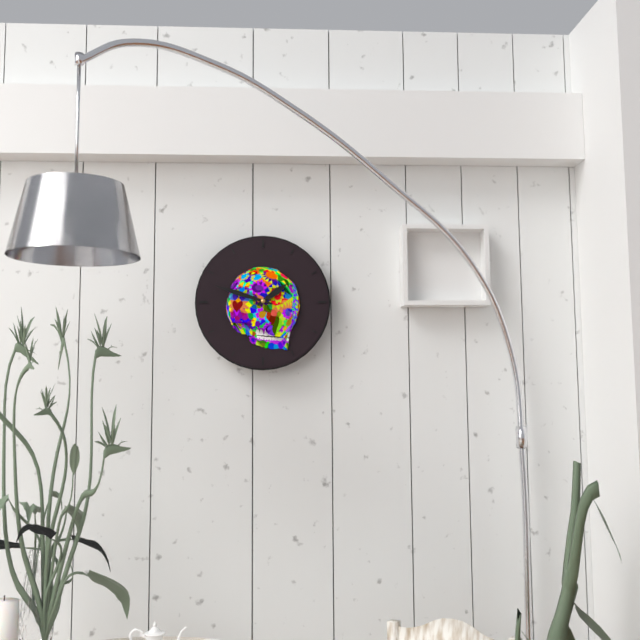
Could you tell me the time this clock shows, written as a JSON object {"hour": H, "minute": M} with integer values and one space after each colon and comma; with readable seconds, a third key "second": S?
{"hour": 1, "minute": 48}
